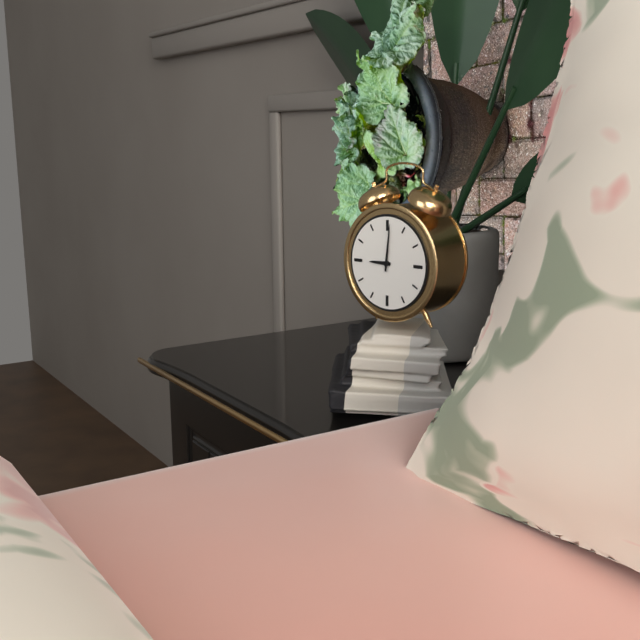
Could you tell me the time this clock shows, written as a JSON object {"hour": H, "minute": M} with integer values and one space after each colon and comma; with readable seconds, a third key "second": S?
{"hour": 9, "minute": 1}
